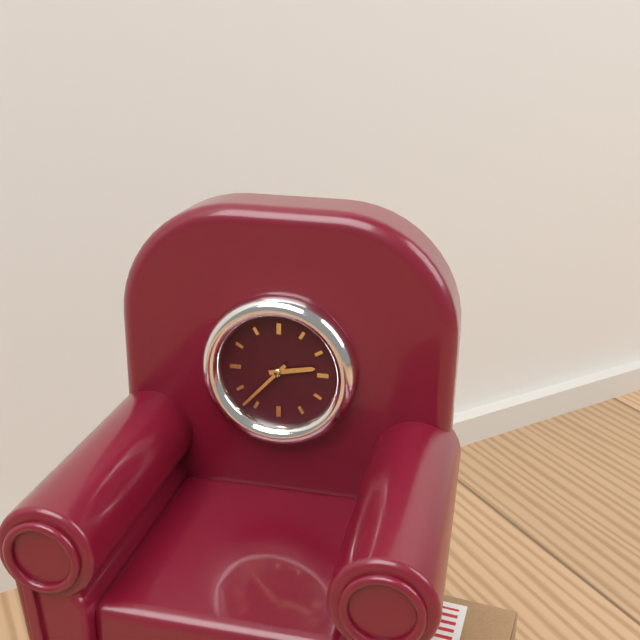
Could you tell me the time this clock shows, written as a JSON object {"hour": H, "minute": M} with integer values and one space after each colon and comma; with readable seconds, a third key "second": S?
{"hour": 2, "minute": 37}
